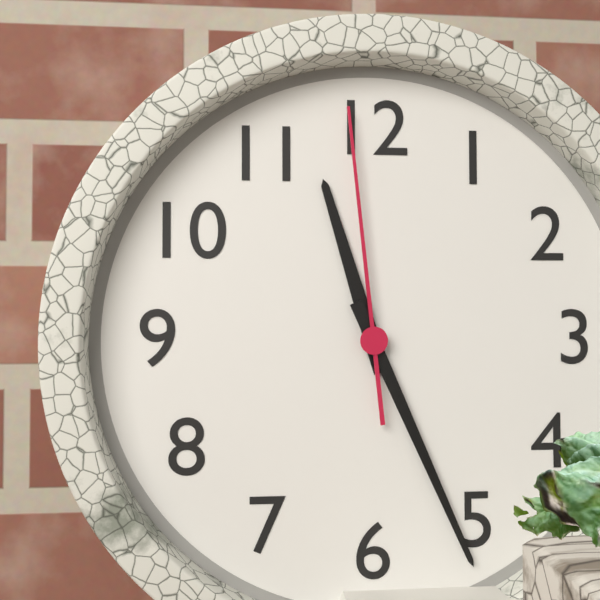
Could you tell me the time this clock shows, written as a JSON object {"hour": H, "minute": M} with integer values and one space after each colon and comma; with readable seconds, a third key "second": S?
{"hour": 11, "minute": 26, "second": 59}
